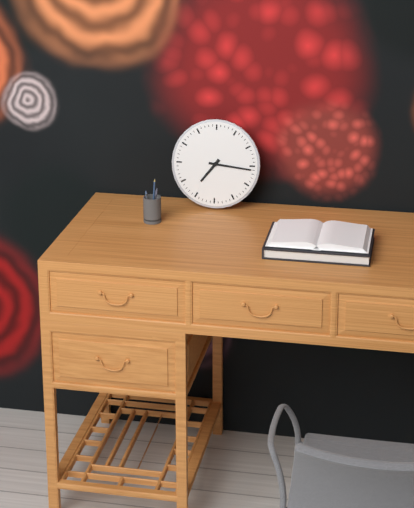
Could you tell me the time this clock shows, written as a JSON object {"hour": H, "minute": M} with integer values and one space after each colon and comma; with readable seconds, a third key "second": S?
{"hour": 7, "minute": 16}
